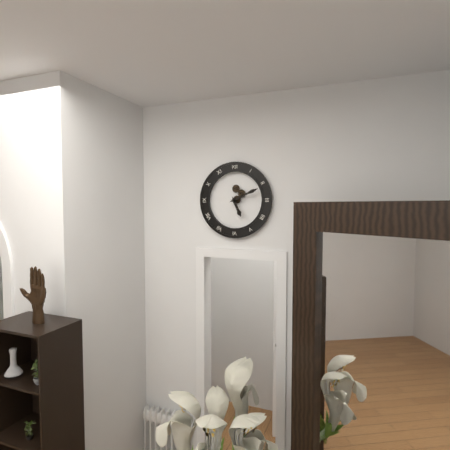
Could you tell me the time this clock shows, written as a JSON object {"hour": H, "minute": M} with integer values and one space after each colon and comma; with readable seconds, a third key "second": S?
{"hour": 5, "minute": 11}
